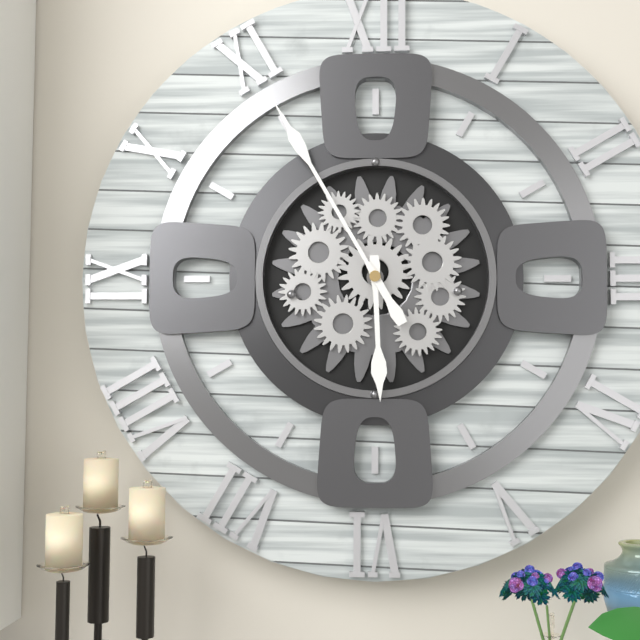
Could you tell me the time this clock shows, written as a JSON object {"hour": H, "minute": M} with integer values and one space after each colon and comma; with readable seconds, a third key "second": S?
{"hour": 5, "minute": 55}
